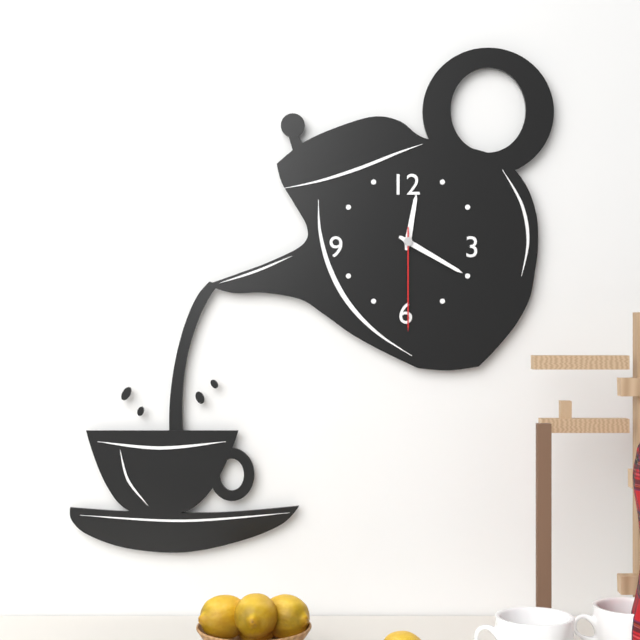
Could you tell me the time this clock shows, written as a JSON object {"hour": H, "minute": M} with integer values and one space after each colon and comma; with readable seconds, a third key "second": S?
{"hour": 12, "minute": 20, "second": 30}
